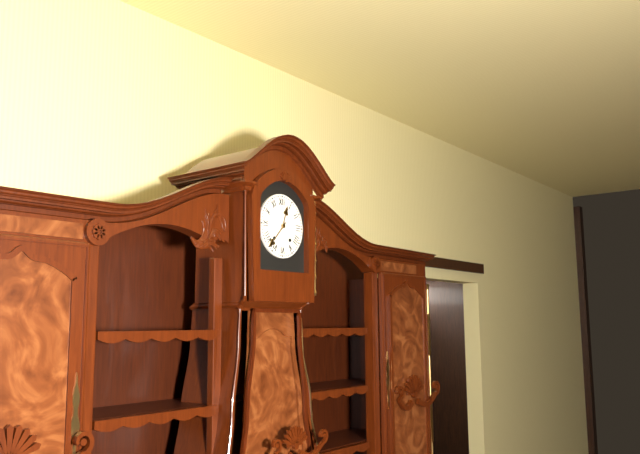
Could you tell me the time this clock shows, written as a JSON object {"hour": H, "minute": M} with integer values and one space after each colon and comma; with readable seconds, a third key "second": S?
{"hour": 12, "minute": 37}
